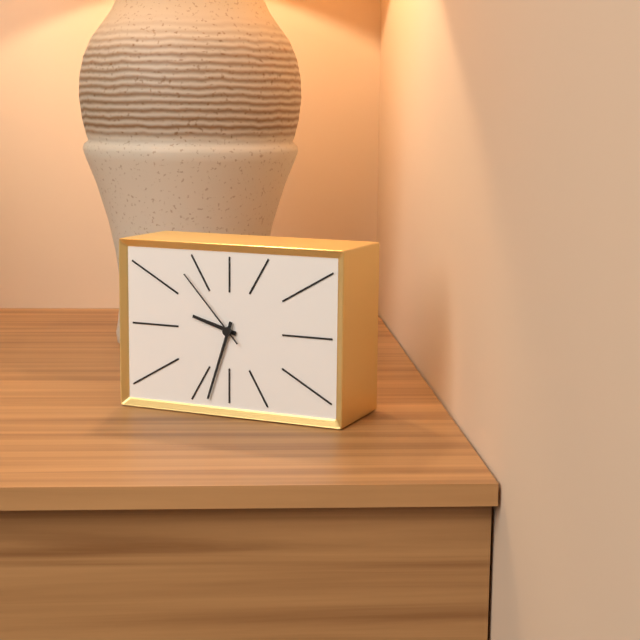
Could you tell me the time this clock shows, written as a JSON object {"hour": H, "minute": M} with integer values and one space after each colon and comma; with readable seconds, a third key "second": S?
{"hour": 9, "minute": 33, "second": 53}
